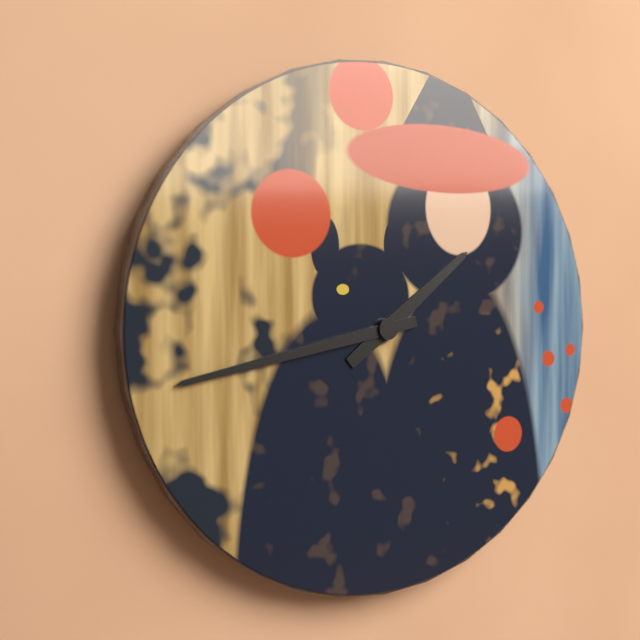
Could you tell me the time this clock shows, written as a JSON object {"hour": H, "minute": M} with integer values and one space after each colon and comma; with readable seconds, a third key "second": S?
{"hour": 1, "minute": 43}
